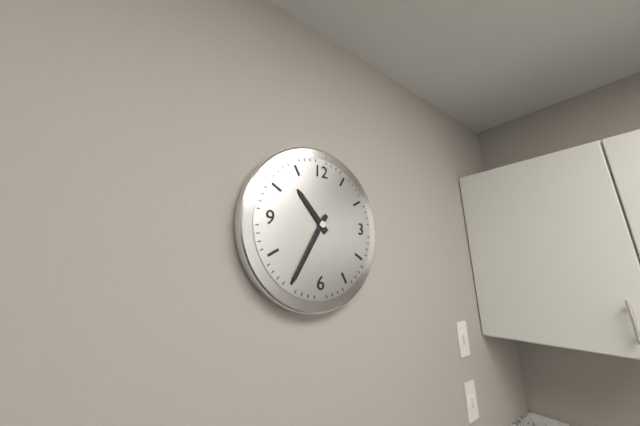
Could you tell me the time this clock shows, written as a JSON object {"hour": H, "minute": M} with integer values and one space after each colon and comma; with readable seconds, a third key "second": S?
{"hour": 10, "minute": 35}
